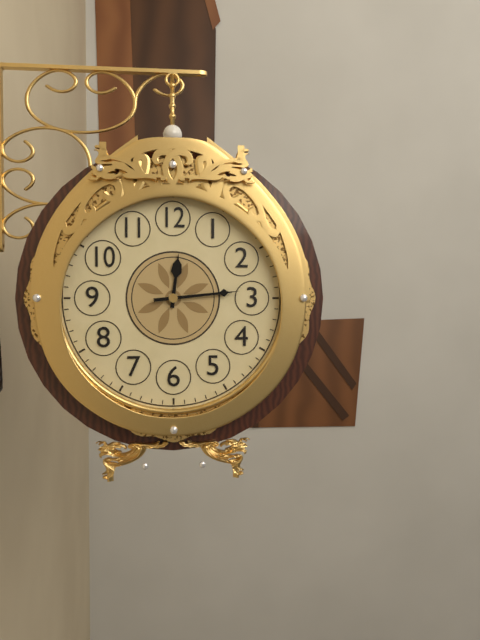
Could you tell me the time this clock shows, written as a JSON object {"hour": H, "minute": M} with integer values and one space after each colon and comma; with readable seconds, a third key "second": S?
{"hour": 12, "minute": 14}
